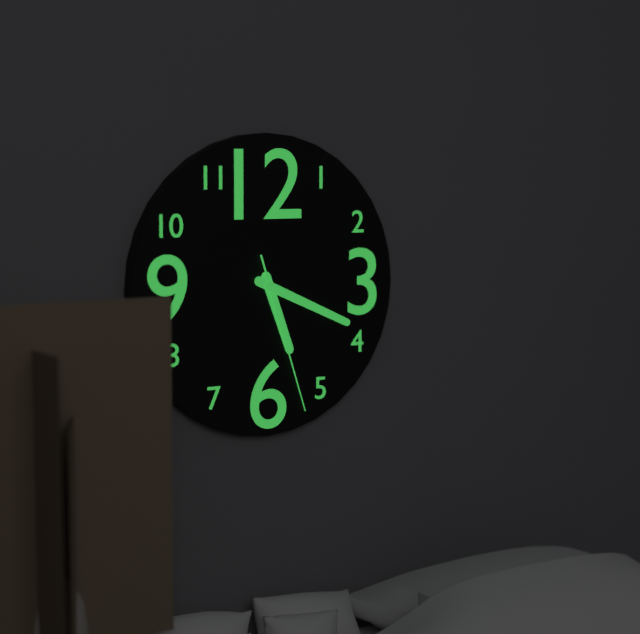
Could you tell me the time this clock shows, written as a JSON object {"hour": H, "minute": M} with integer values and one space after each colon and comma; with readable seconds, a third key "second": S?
{"hour": 5, "minute": 19, "second": 27}
